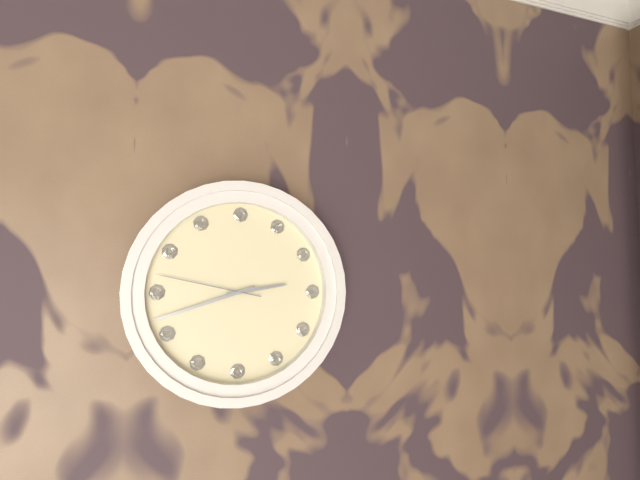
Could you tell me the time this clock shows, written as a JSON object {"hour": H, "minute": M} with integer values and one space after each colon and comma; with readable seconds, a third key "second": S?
{"hour": 2, "minute": 42, "second": 47}
